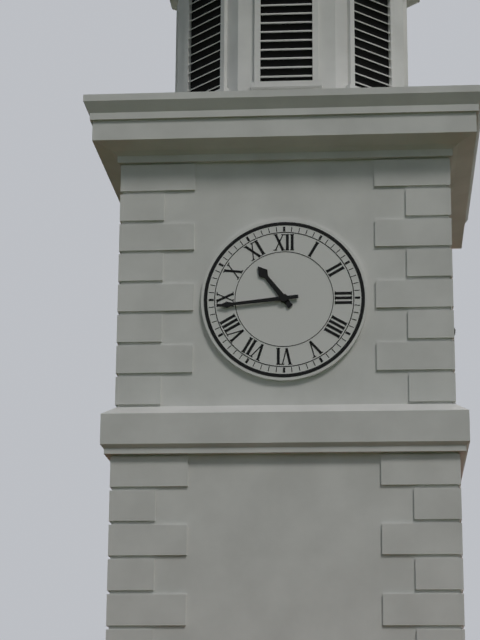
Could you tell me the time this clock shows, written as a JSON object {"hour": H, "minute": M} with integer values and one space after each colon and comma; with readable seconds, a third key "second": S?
{"hour": 10, "minute": 44}
